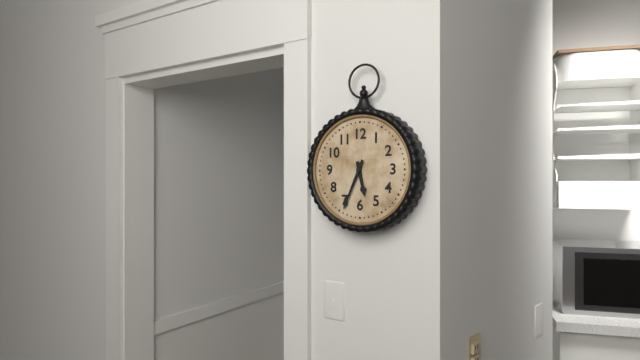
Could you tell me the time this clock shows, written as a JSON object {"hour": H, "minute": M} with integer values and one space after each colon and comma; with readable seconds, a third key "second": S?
{"hour": 5, "minute": 34}
